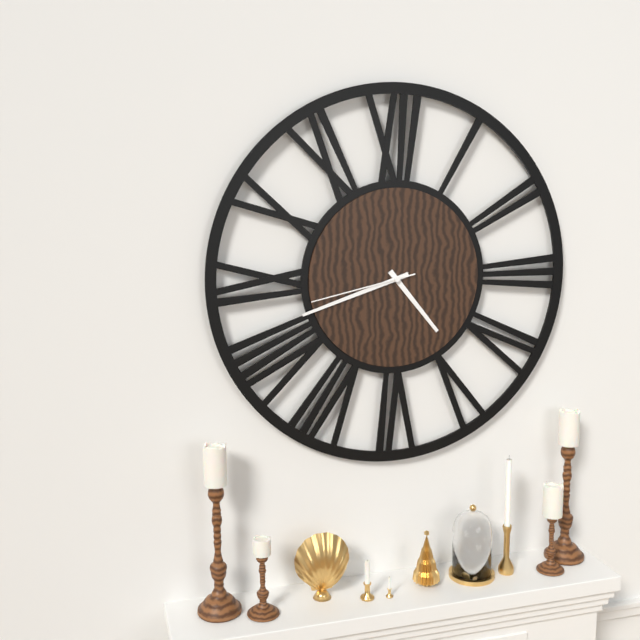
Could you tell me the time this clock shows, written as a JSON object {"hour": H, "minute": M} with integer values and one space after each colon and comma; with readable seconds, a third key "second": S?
{"hour": 4, "minute": 42, "second": 43}
